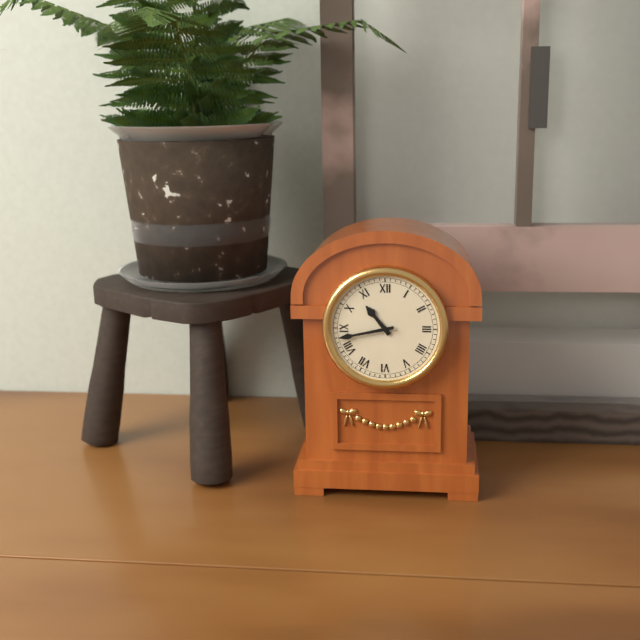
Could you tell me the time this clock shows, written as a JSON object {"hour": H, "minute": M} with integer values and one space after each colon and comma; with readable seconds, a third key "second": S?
{"hour": 10, "minute": 43}
